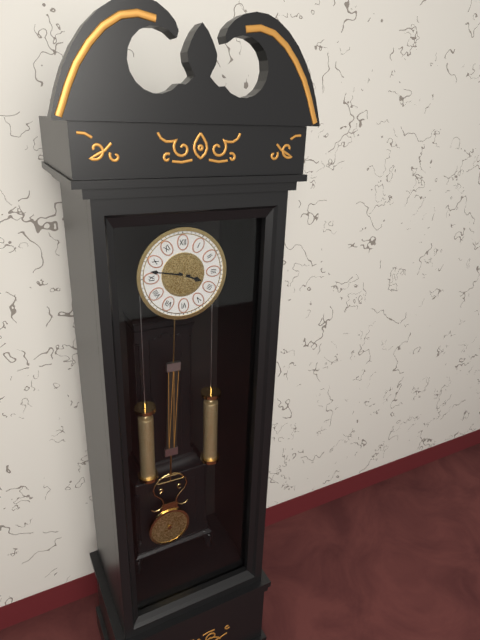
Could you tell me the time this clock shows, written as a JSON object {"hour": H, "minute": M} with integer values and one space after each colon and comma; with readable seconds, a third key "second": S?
{"hour": 3, "minute": 47}
